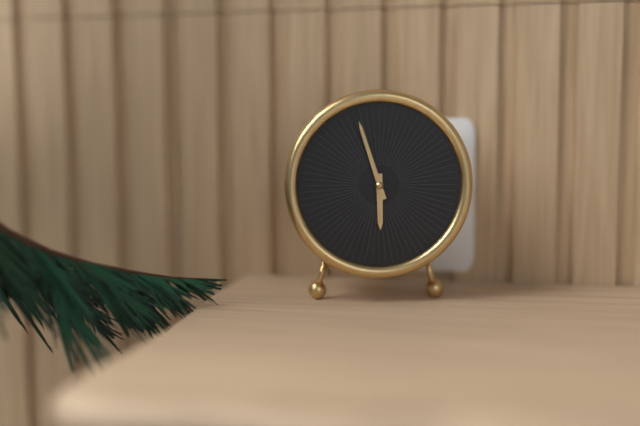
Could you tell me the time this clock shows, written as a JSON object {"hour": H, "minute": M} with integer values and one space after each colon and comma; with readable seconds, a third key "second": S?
{"hour": 5, "minute": 57}
